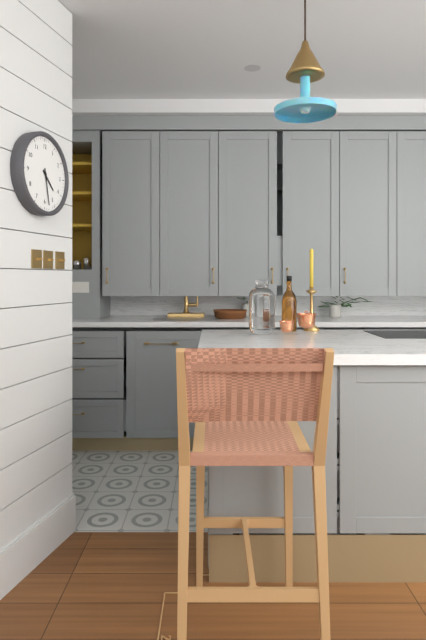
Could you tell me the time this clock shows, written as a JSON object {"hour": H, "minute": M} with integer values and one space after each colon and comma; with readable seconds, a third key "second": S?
{"hour": 4, "minute": 28}
